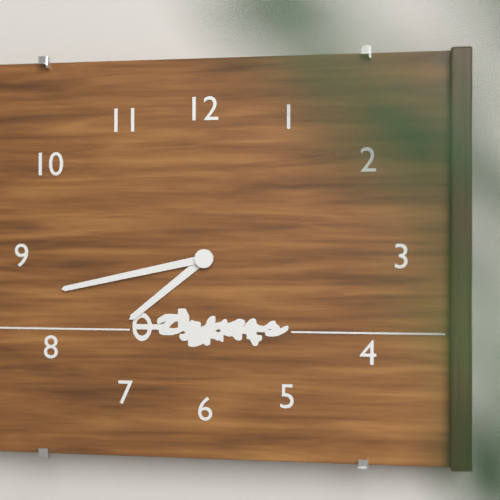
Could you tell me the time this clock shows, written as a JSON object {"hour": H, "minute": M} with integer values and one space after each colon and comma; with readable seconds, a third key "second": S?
{"hour": 7, "minute": 43}
